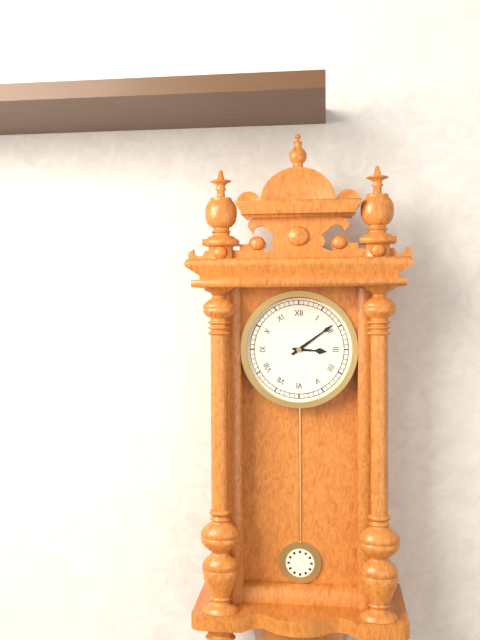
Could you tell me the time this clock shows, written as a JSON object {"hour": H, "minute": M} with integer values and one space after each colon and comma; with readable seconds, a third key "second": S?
{"hour": 3, "minute": 9}
